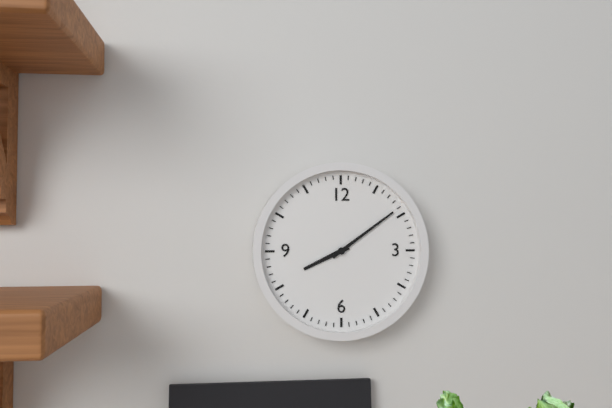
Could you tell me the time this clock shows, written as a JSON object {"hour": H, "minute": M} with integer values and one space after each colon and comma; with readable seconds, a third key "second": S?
{"hour": 8, "minute": 9}
